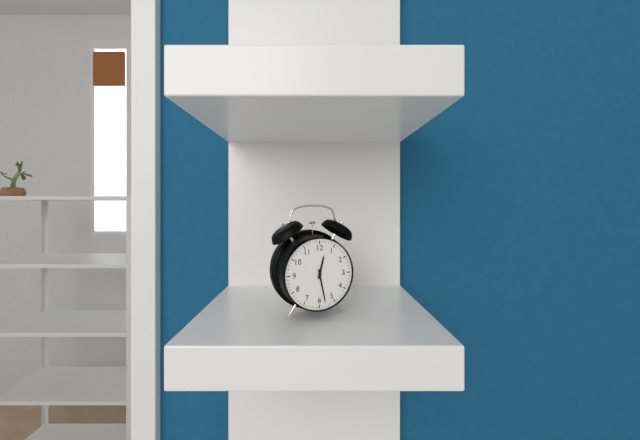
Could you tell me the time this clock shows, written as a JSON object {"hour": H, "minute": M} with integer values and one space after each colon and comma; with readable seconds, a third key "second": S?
{"hour": 12, "minute": 28}
